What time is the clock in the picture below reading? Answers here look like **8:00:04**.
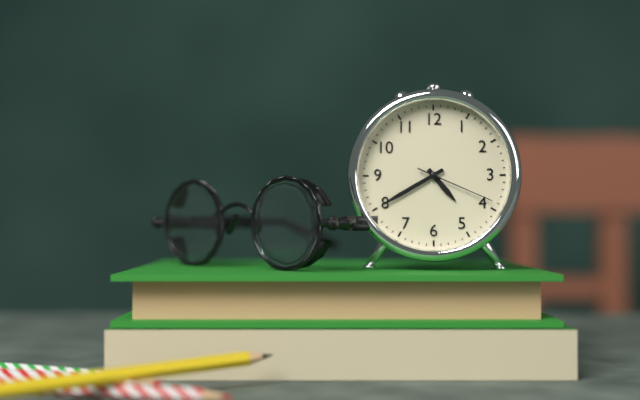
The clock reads **4:40:19**
